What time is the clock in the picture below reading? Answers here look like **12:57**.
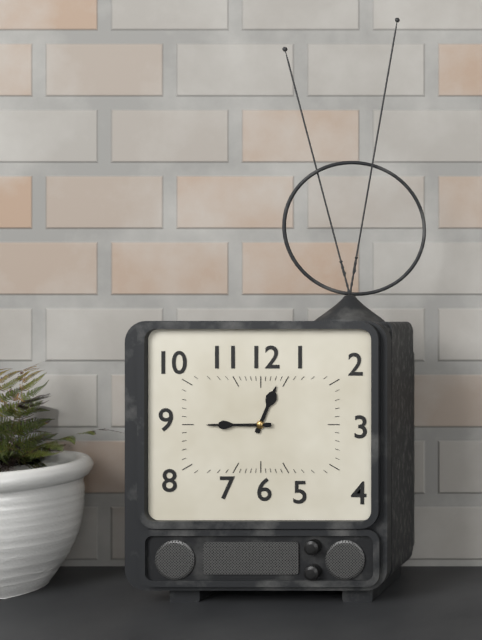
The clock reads **12:45**
